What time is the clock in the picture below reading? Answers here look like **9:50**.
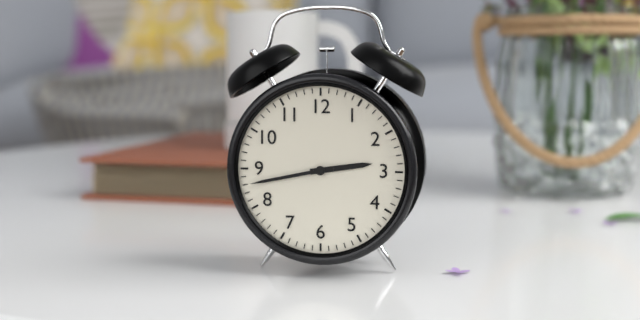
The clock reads **2:43**
